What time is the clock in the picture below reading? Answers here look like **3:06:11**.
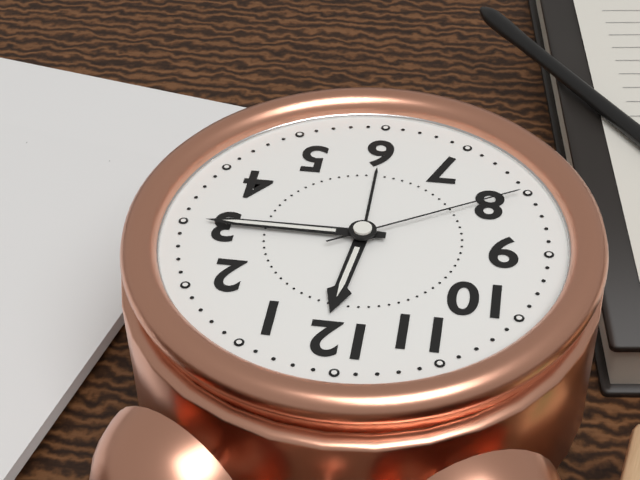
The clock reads **12:15:40**
